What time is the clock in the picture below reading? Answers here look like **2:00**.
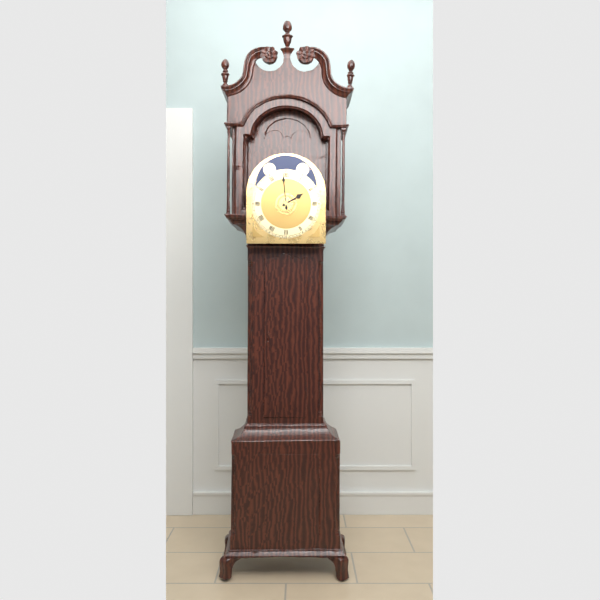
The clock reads **1:59**
